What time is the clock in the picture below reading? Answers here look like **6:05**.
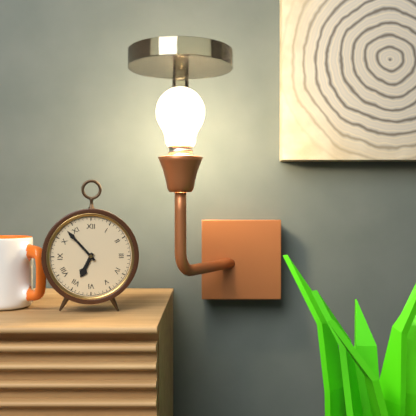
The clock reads **6:53**
